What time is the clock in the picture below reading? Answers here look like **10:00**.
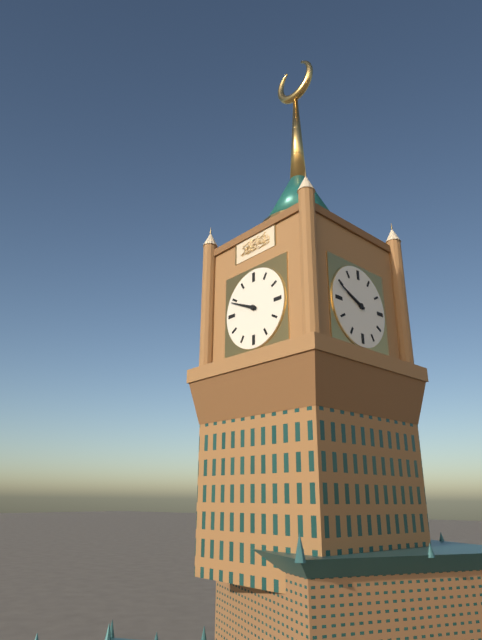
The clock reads **9:49**
